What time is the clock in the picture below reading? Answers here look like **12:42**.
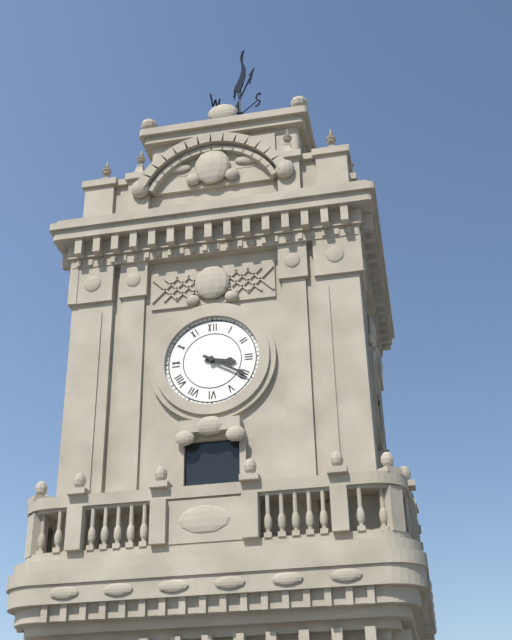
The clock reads **3:20**
